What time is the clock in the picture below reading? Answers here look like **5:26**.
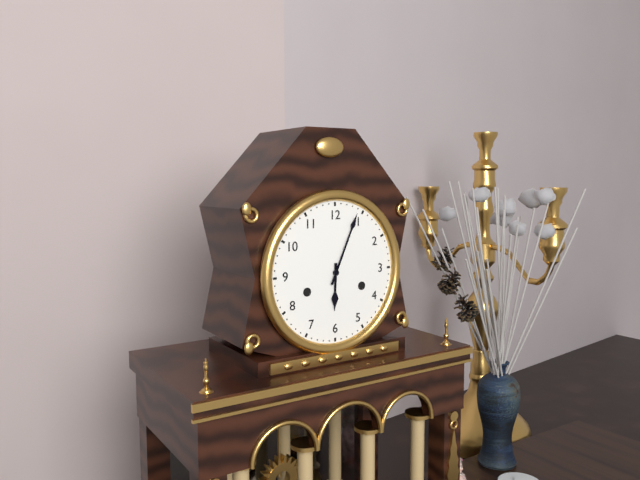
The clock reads **6:04**
